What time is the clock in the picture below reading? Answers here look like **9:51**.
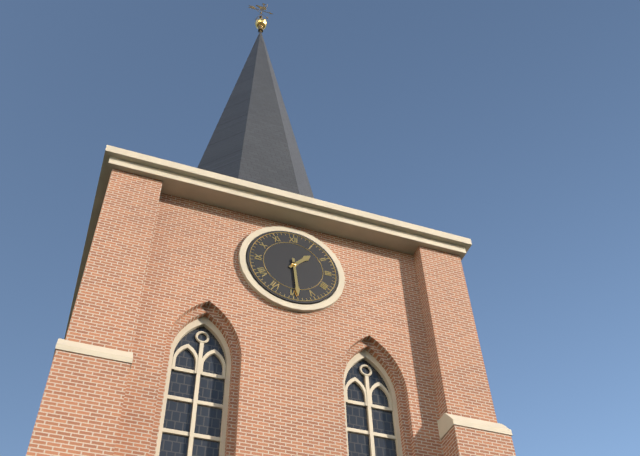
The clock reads **1:29**
